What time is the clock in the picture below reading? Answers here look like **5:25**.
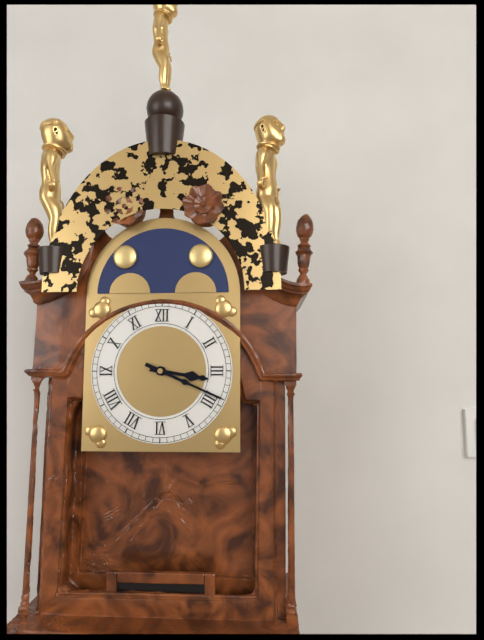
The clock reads **3:19**
